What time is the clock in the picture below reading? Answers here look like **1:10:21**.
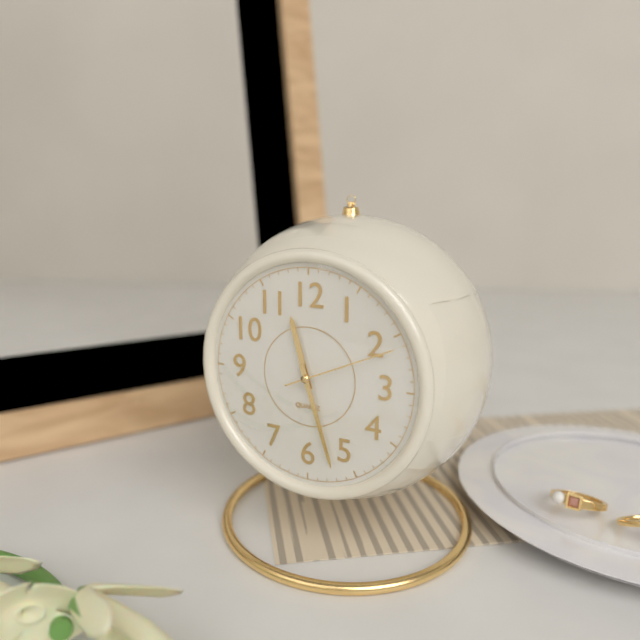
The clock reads **11:27:11**
